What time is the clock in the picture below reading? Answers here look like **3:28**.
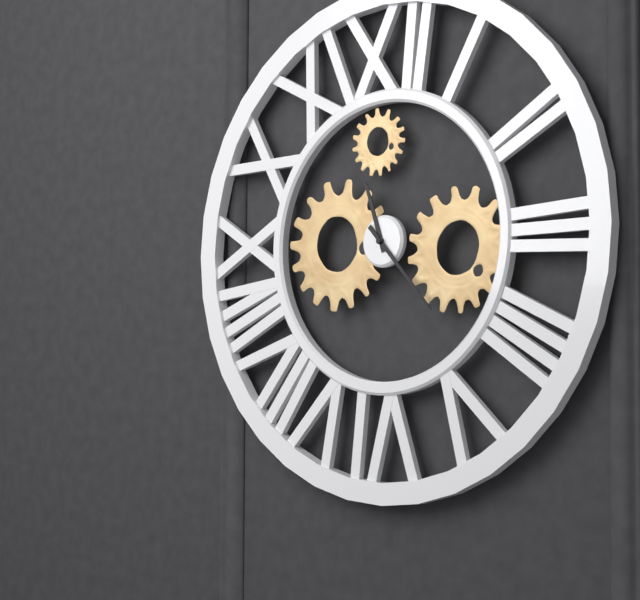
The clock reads **11:23**
